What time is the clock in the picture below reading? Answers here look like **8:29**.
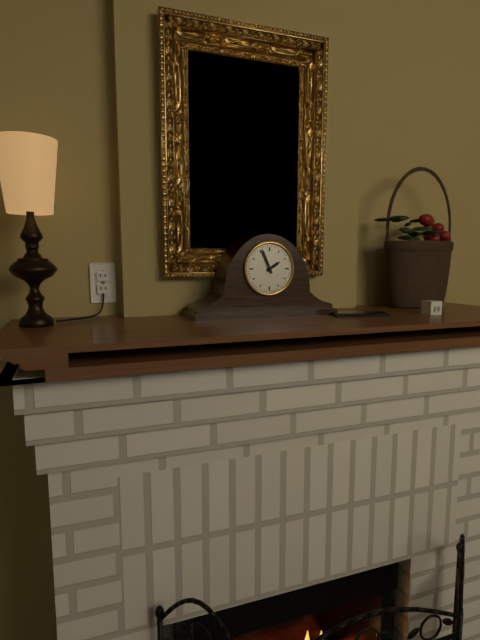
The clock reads **1:56**
